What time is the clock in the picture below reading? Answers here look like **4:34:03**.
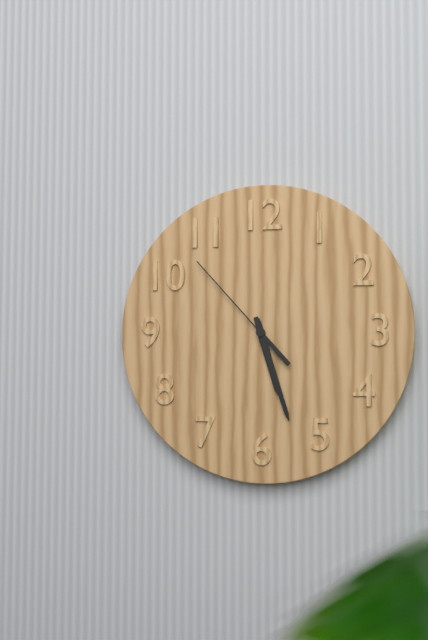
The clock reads **5:27:53**
